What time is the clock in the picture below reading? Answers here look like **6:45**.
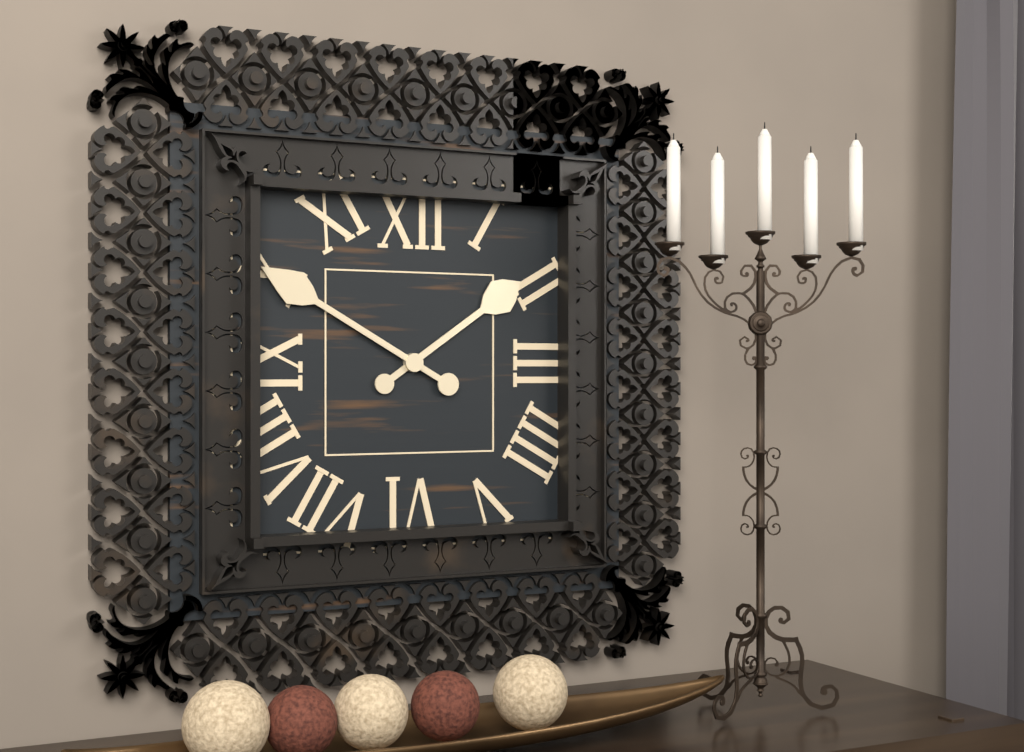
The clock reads **1:50**
